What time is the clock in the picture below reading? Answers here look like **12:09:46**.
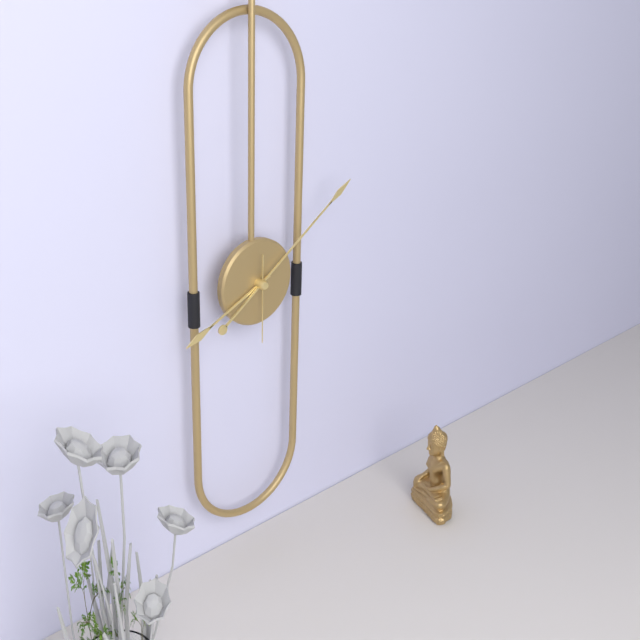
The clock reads **8:09:30**
